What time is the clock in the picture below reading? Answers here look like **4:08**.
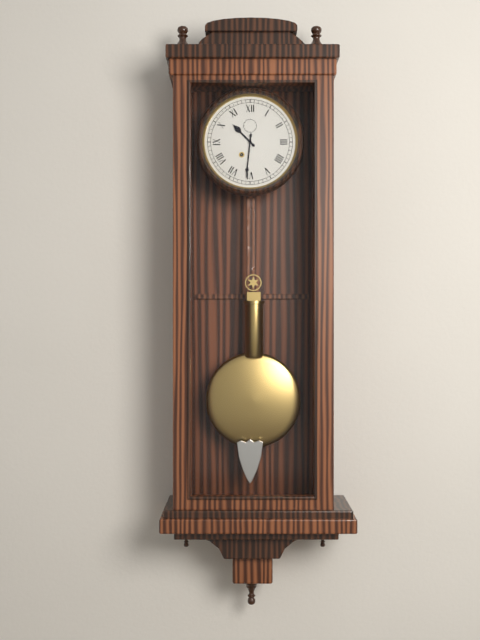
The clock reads **10:31**
